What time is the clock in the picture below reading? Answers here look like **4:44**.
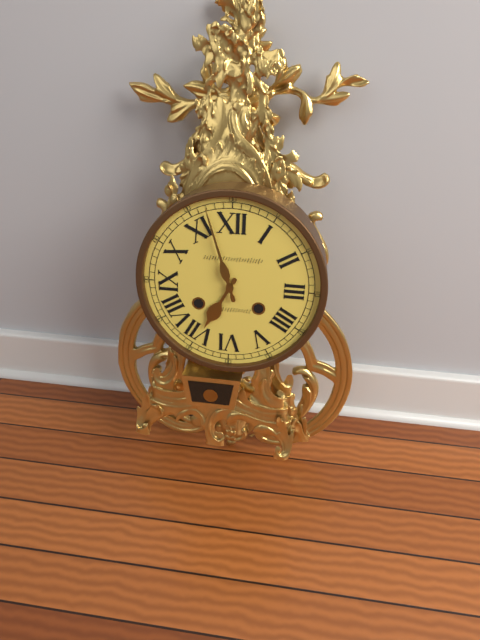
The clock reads **6:57**
